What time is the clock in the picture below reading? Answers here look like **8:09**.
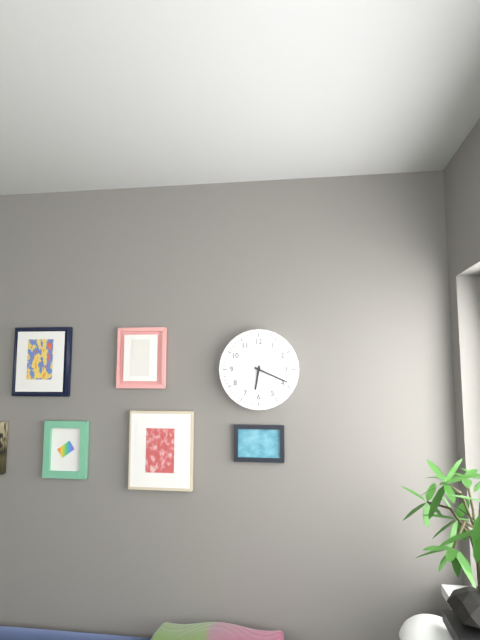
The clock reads **6:19**
